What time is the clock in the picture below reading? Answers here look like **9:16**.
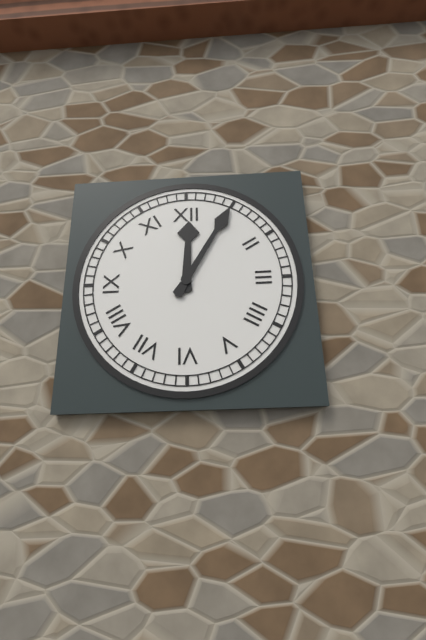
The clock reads **12:05**
